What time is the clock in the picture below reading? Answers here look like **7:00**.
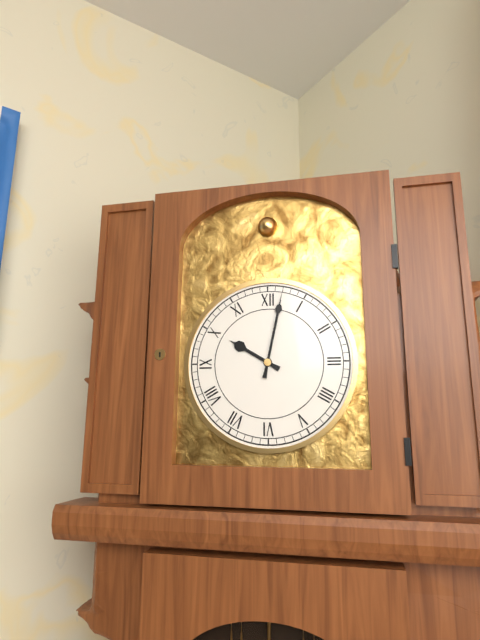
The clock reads **10:02**
